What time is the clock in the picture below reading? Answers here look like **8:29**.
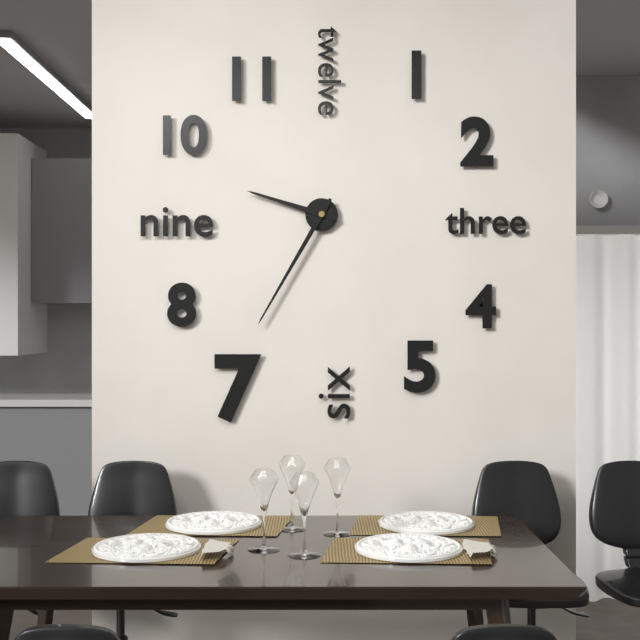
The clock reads **9:35**
